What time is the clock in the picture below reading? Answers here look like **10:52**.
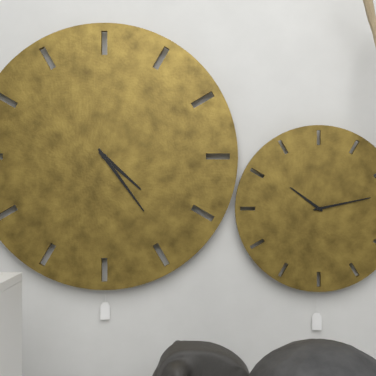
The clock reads **4:24**
